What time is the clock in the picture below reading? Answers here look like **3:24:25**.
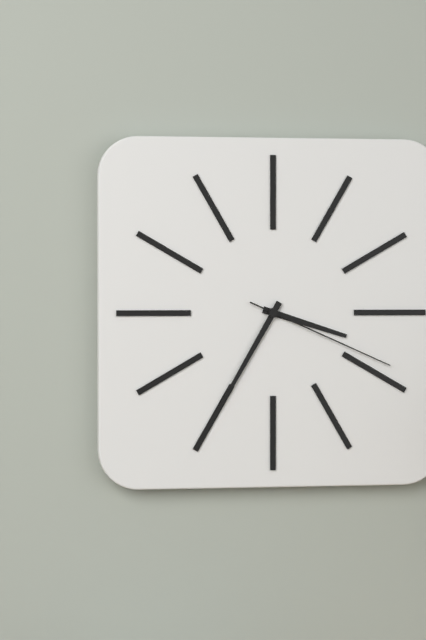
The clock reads **3:35:19**
